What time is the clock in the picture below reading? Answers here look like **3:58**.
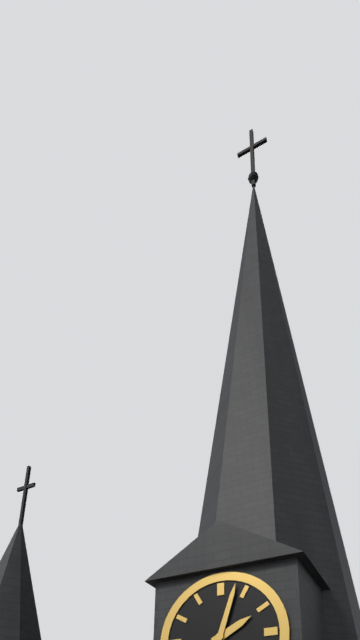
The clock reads **2:03**
